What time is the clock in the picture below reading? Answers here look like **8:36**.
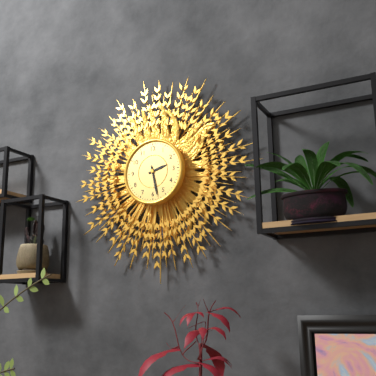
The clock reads **2:28**
